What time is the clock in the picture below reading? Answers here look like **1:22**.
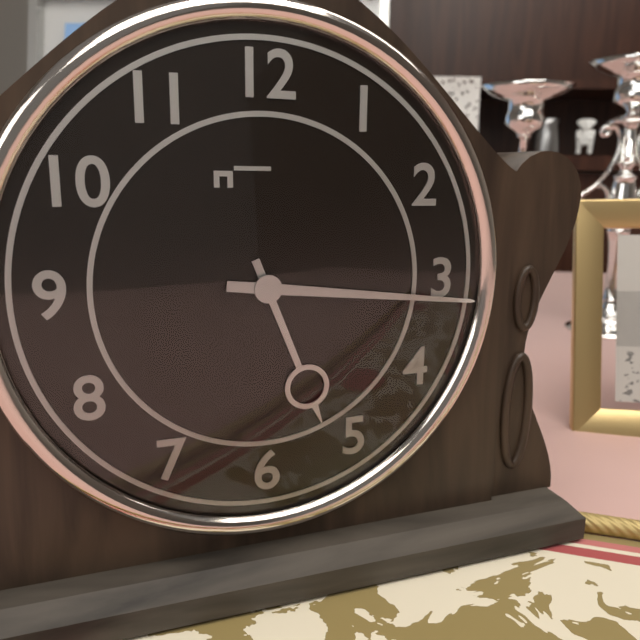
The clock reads **5:16**
